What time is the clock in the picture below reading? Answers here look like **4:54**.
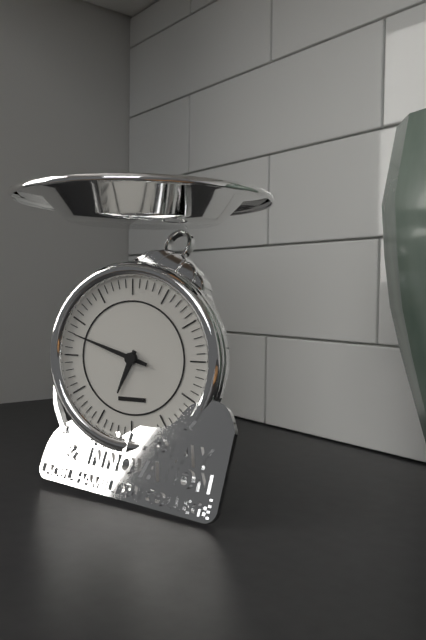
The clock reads **6:48**
